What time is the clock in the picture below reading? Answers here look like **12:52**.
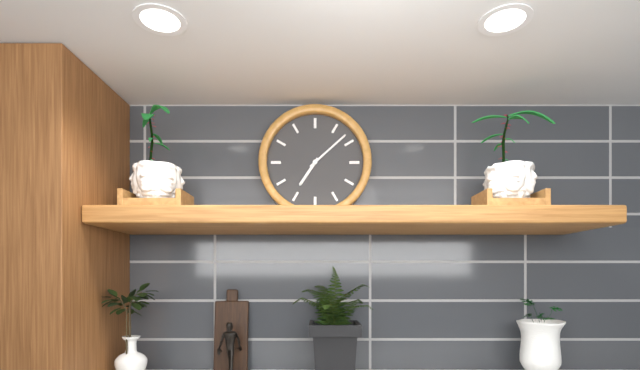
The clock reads **7:08**
